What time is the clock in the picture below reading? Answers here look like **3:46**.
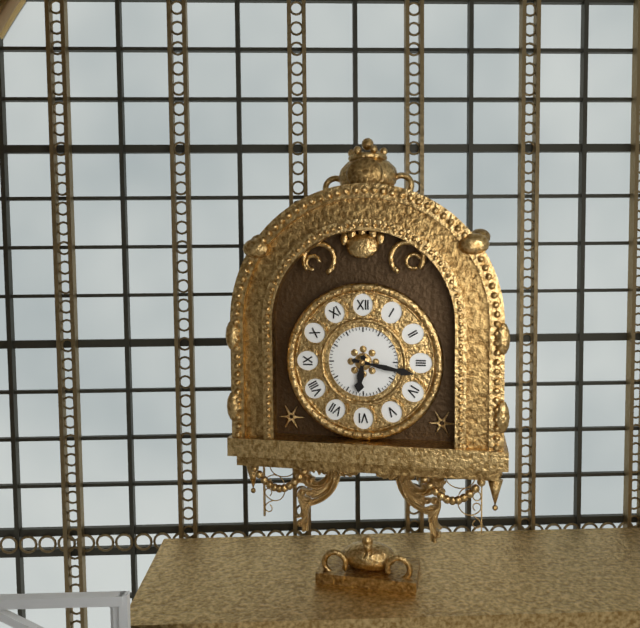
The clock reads **6:17**
